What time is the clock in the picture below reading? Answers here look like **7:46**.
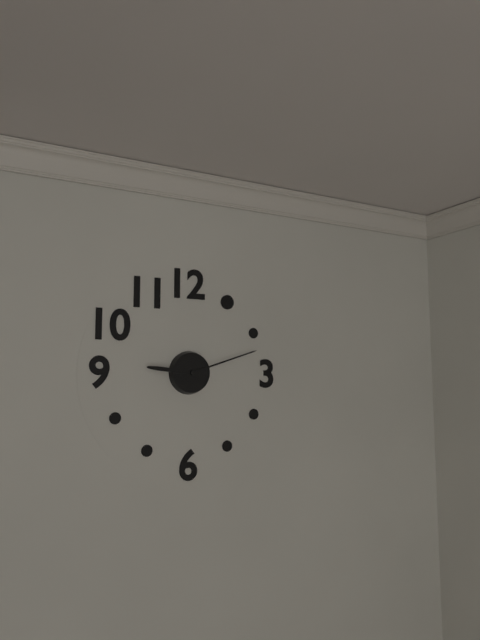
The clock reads **9:12**
